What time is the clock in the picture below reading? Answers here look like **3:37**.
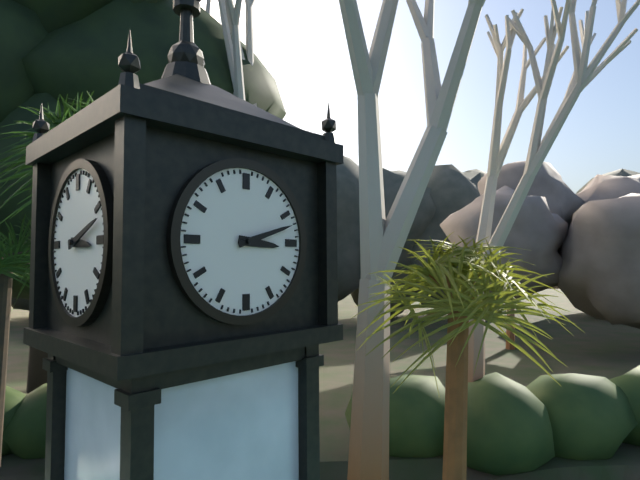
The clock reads **3:12**
